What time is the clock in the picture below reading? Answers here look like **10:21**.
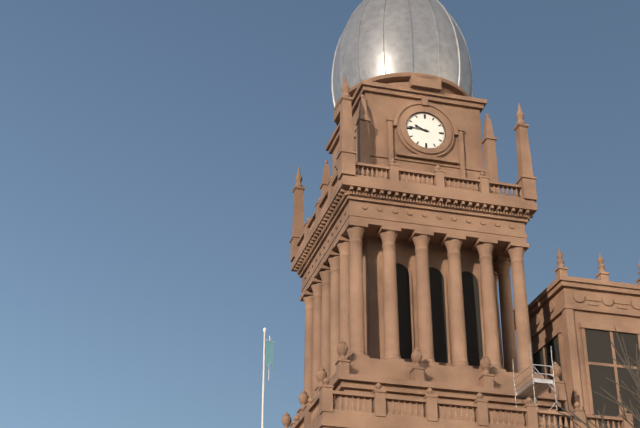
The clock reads **9:46**
